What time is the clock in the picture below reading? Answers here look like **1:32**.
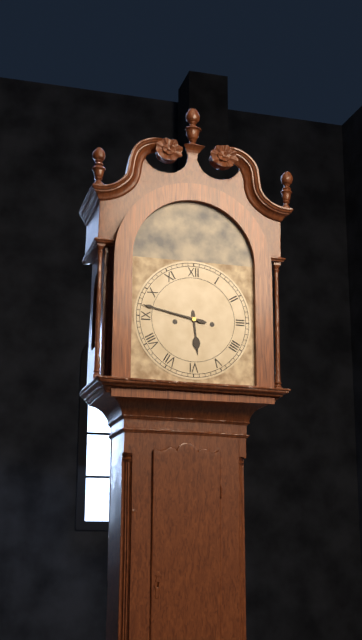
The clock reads **5:47**
